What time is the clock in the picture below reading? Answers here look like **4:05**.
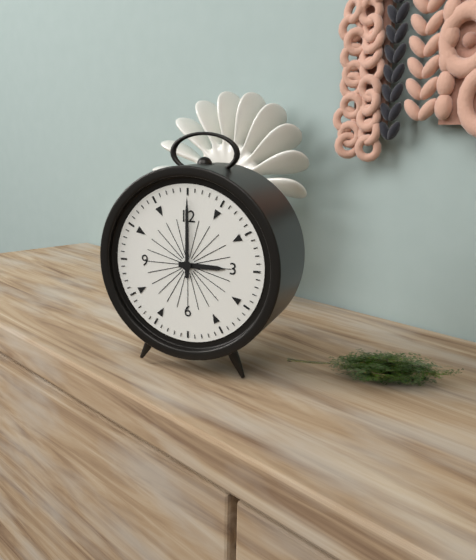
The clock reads **3:00**
